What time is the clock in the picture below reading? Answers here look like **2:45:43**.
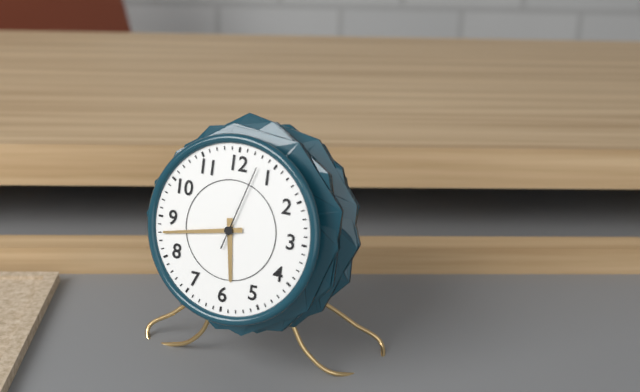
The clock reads **5:43:03**
